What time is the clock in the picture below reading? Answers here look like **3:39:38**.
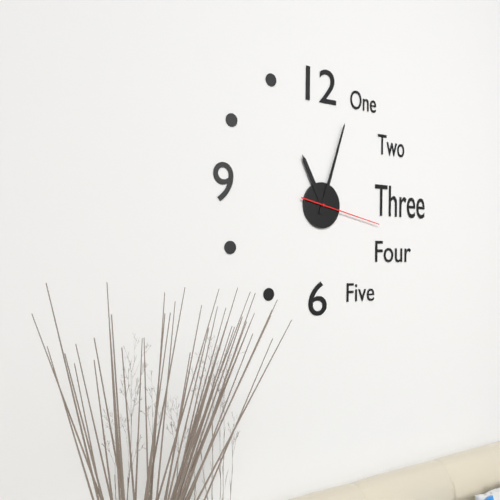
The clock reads **11:03:17**
